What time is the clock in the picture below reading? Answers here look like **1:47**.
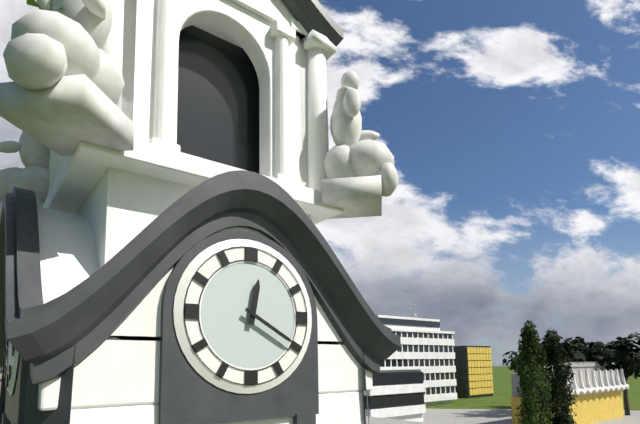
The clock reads **12:20**
